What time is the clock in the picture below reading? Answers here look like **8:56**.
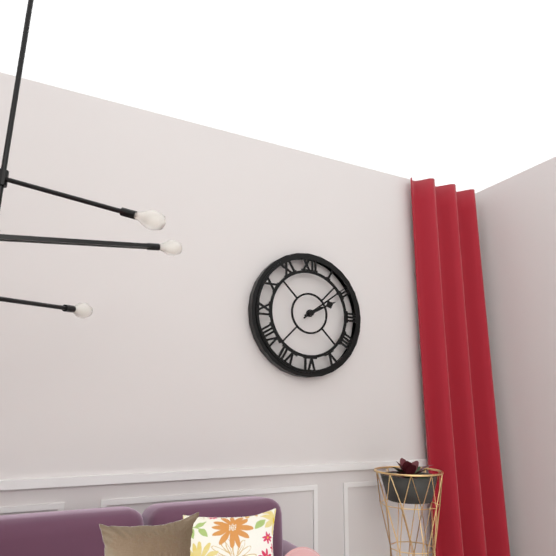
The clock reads **2:09**
